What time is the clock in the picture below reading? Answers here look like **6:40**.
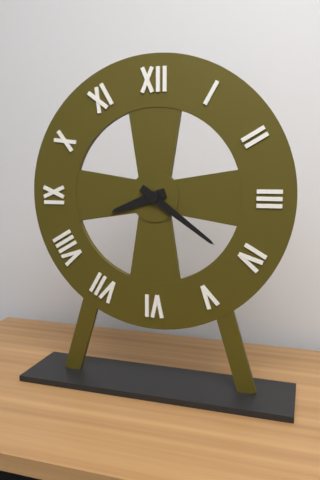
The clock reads **8:21**
